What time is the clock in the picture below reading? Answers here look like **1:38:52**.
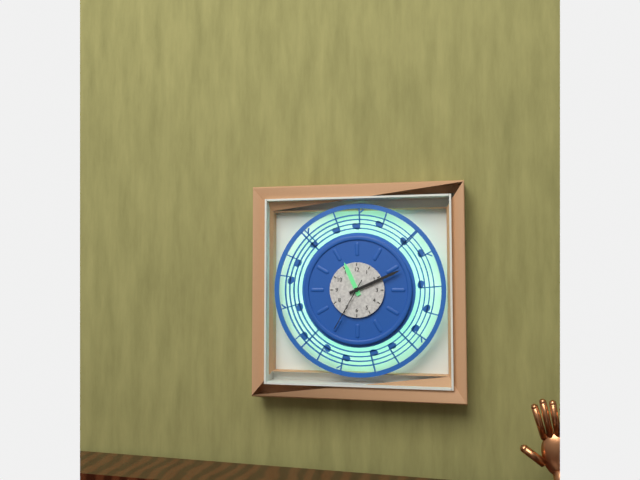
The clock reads **11:11:35**
